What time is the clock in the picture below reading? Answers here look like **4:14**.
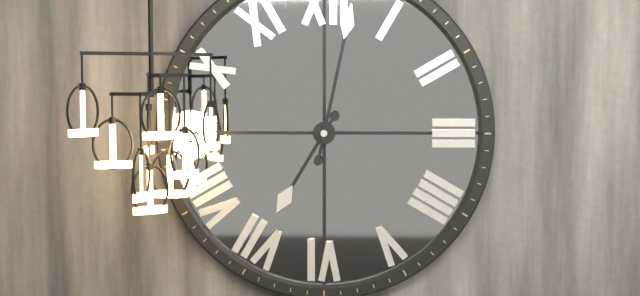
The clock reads **7:02**
